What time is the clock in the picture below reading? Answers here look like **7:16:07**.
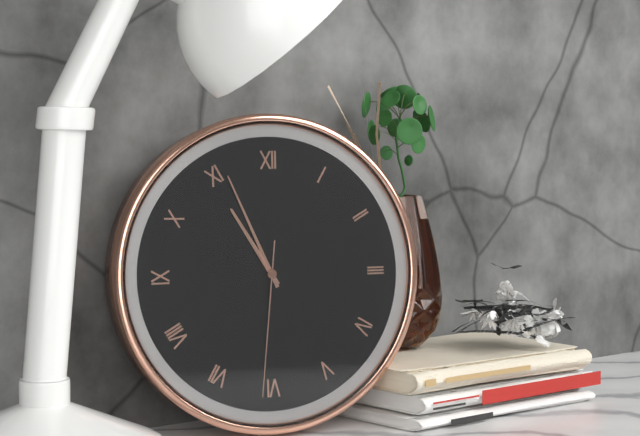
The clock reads **10:56:31**
